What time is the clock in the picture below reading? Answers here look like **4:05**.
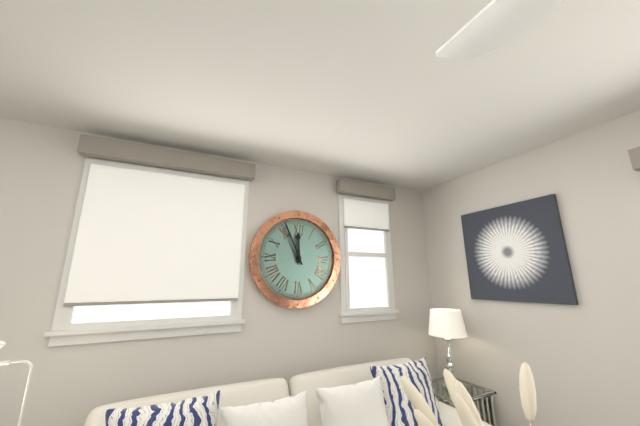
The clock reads **11:56**
